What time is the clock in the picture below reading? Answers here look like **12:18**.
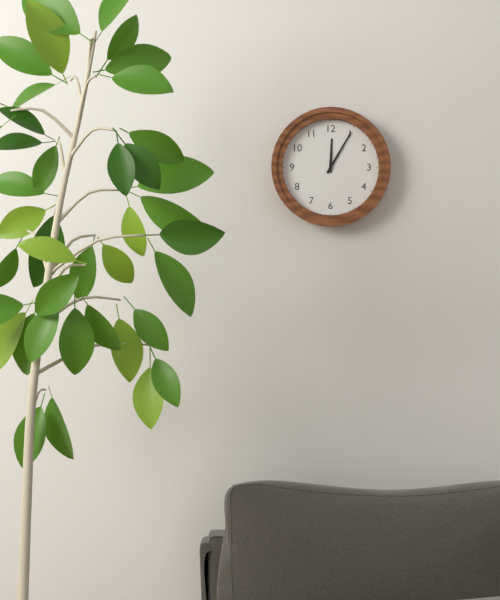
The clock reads **12:05**
